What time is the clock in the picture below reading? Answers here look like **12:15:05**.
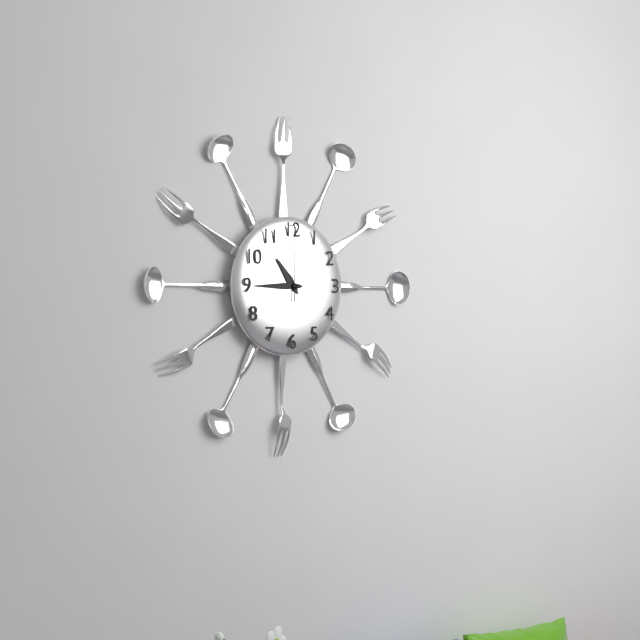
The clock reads **10:45:00**
